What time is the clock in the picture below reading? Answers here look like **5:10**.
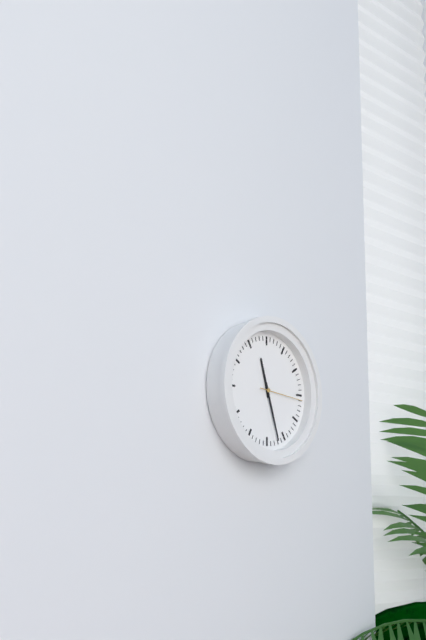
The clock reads **11:27**
